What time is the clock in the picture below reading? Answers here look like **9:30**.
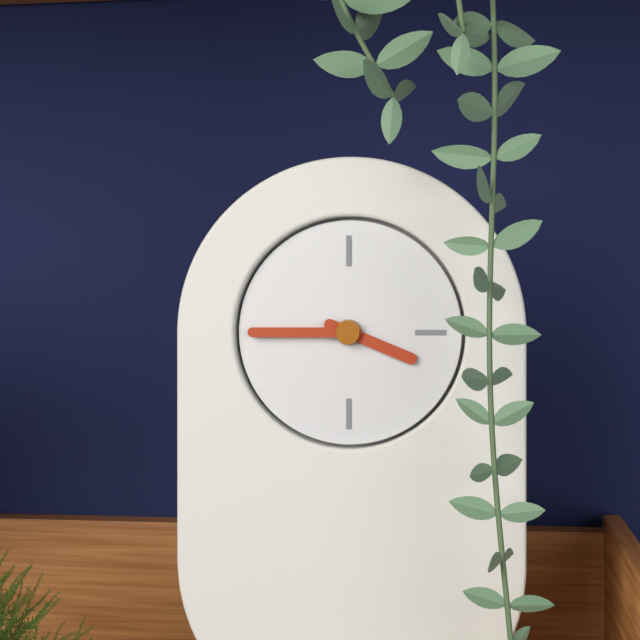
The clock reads **3:45**
